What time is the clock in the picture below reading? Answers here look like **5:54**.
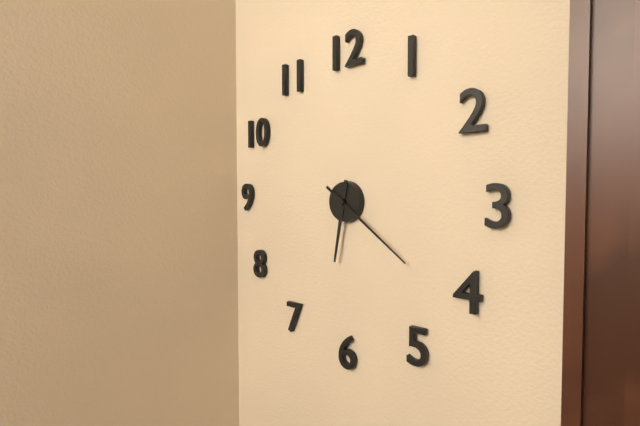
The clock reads **6:21**
